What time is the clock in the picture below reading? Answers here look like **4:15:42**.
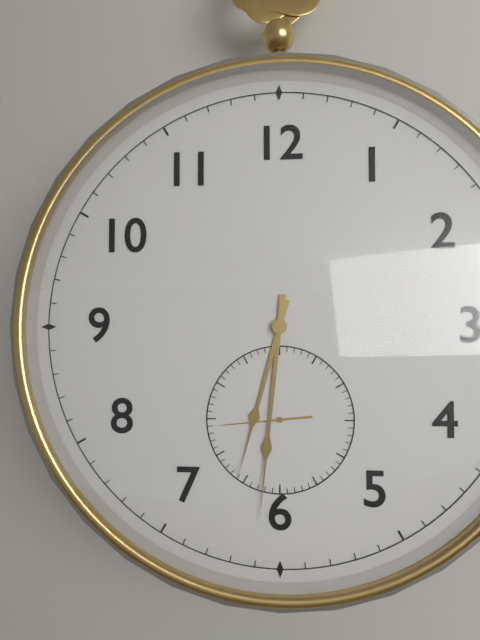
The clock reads **6:31:44**
